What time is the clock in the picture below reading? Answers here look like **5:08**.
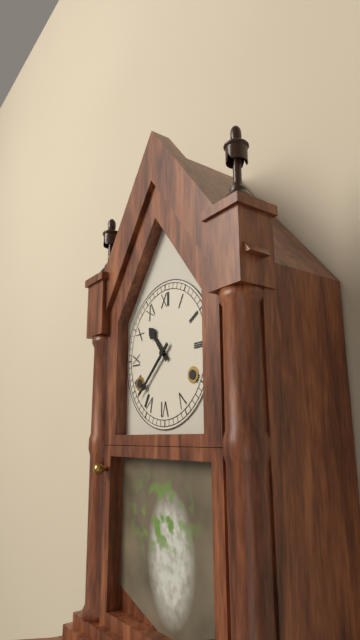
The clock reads **10:38**
